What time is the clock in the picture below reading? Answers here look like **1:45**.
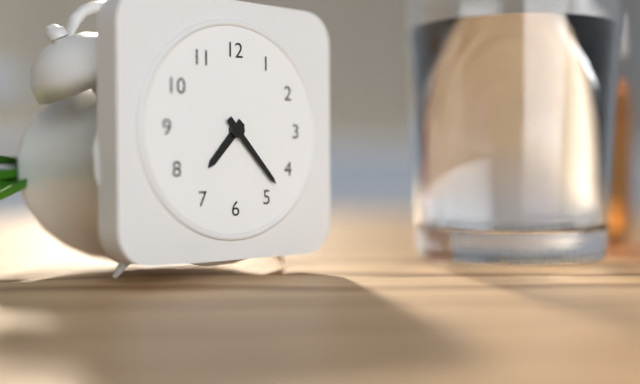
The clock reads **7:23**
